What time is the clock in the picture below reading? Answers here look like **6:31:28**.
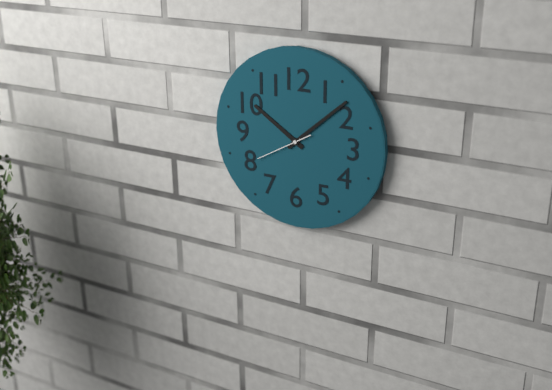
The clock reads **10:08:40**
